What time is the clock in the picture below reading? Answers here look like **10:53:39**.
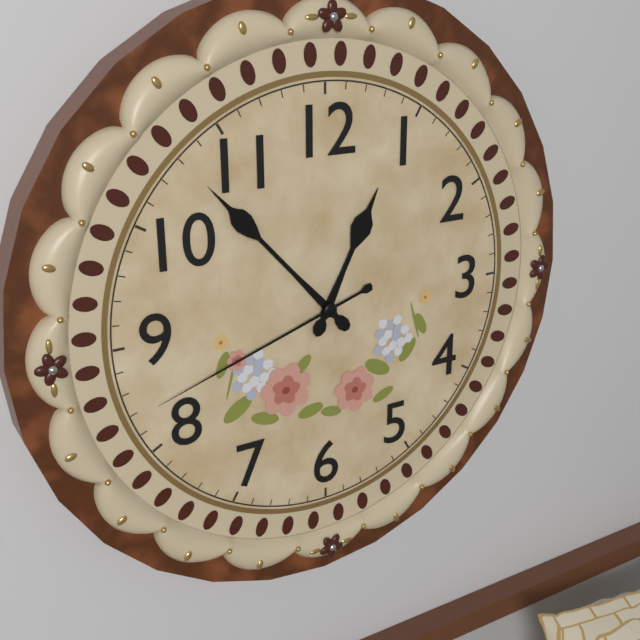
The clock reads **12:53:42**
